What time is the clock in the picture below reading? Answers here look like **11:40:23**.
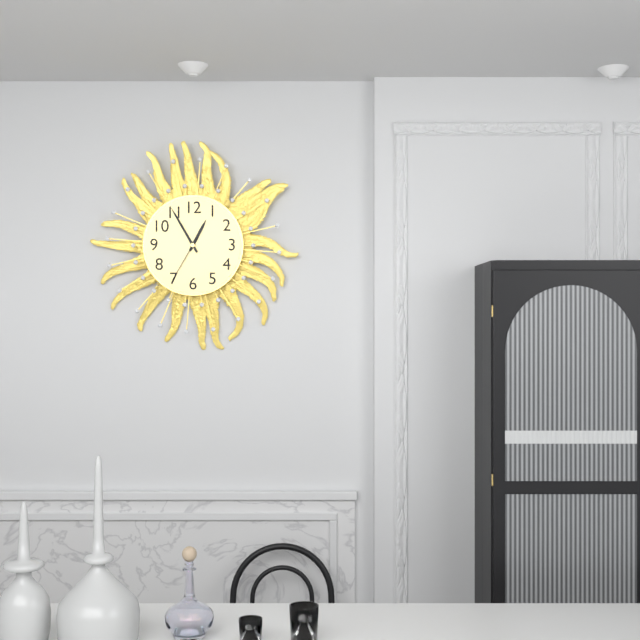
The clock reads **12:55:35**
